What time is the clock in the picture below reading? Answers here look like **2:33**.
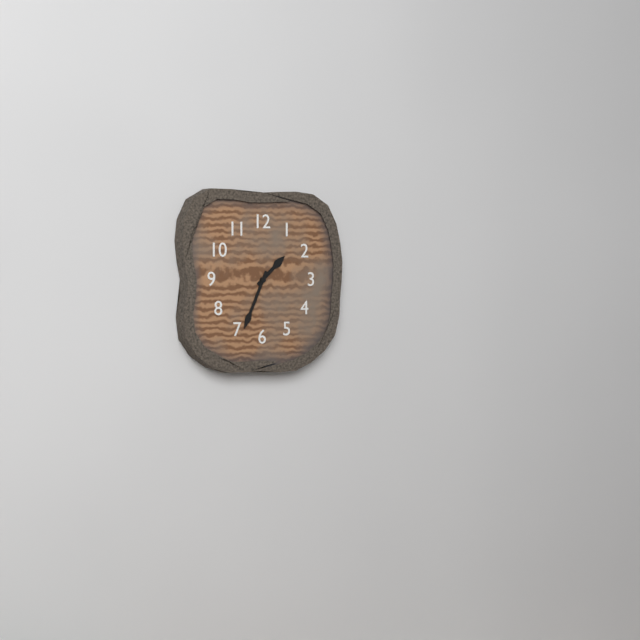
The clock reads **1:34**
